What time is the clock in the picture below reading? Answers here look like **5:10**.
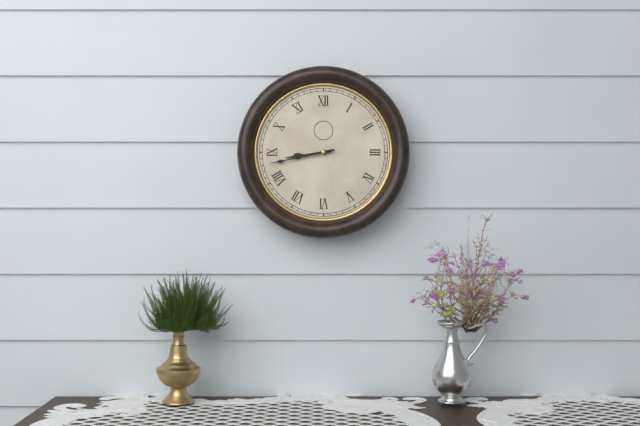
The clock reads **8:43**
